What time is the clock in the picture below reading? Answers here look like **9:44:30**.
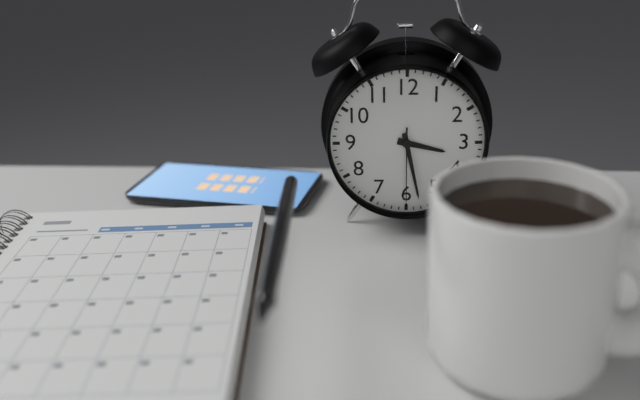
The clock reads **3:28:30**
